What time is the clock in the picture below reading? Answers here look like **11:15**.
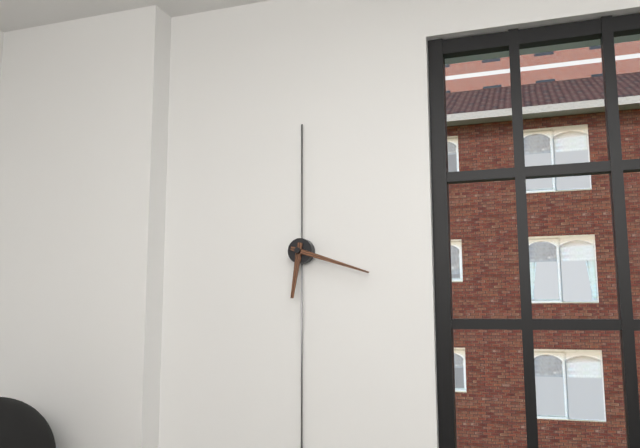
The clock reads **6:18**
